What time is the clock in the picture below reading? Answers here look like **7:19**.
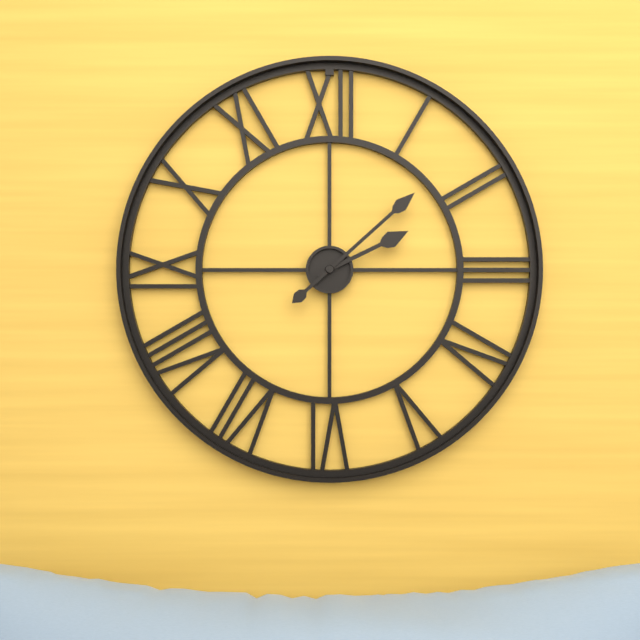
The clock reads **2:08**
